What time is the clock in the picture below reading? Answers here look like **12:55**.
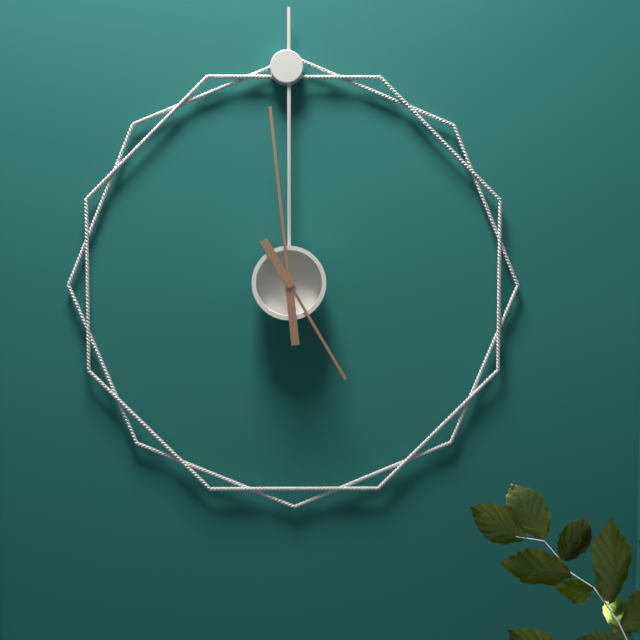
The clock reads **4:59**
